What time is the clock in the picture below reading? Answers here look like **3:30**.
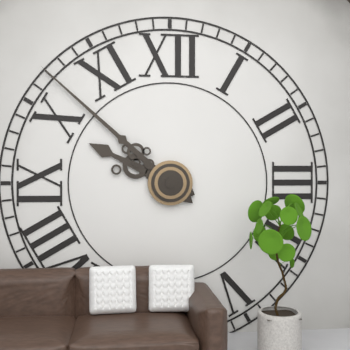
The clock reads **9:52**
